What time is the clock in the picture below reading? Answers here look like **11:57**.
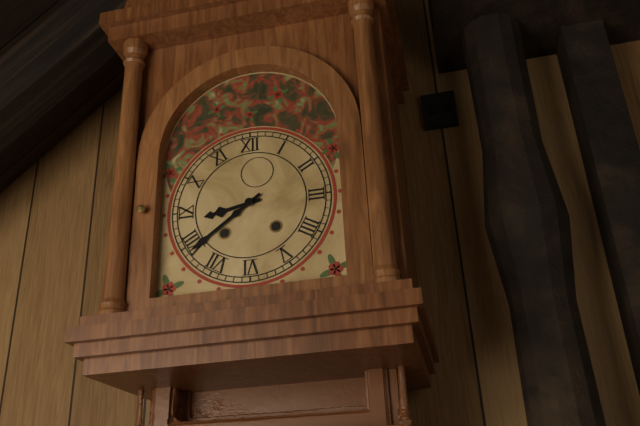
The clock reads **8:39**
